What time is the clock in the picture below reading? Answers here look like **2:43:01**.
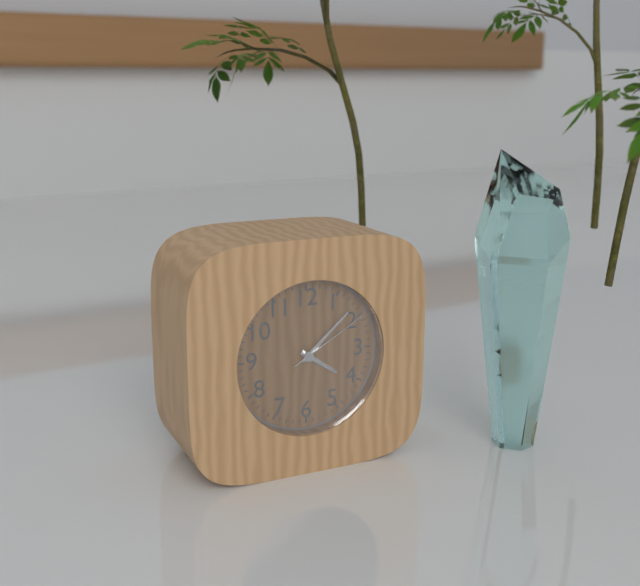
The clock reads **4:08:10**
